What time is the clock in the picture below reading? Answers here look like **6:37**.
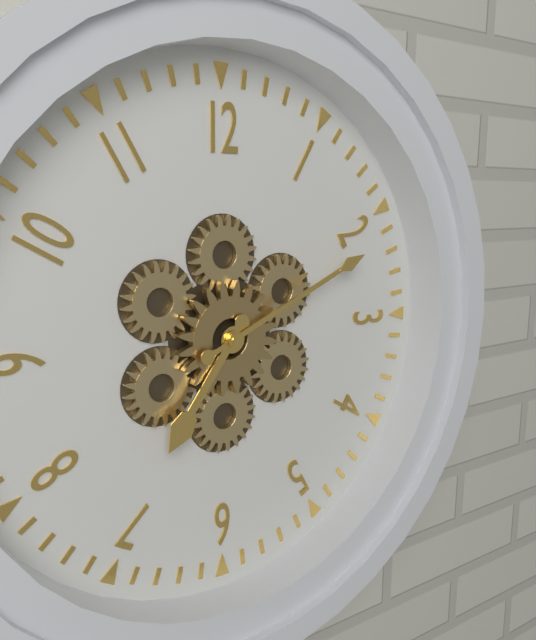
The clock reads **7:11**
